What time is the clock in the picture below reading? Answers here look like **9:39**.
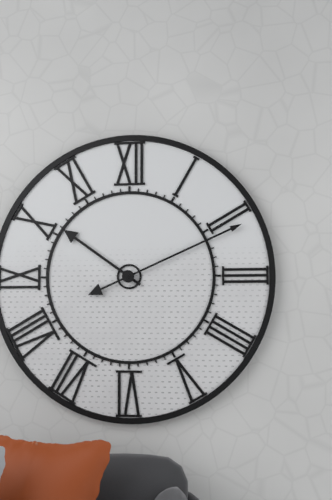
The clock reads **10:11**
